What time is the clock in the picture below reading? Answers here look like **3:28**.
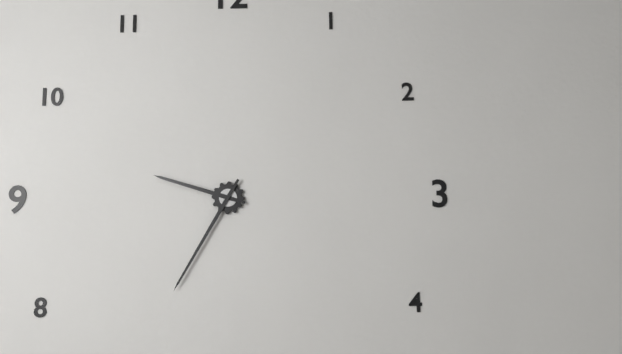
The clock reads **9:35**
